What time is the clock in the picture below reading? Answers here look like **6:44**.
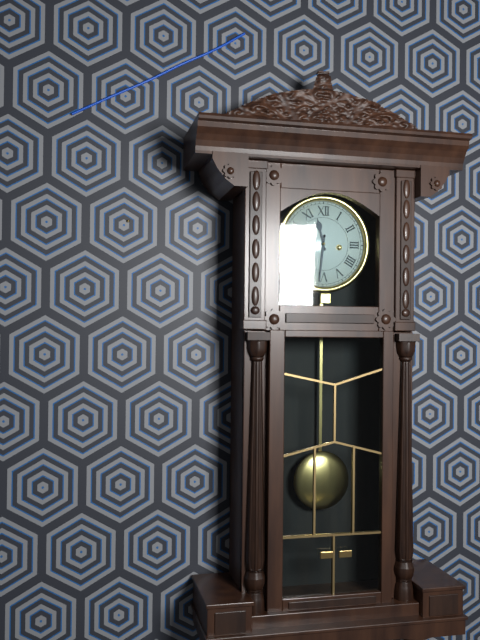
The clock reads **11:31**
